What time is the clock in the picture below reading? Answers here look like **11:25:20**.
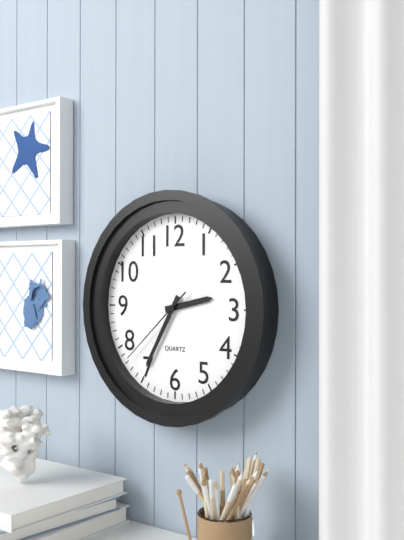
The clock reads **2:35:38**
